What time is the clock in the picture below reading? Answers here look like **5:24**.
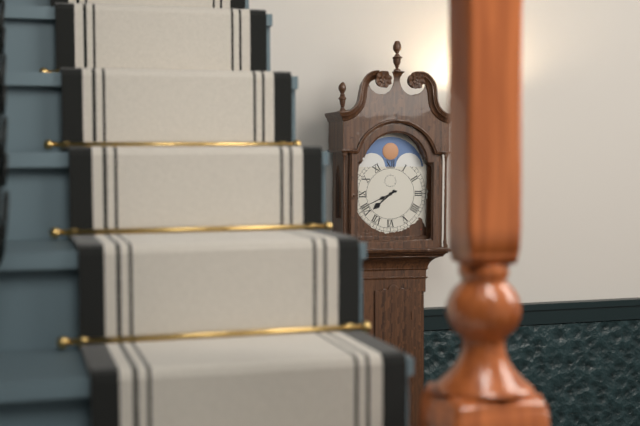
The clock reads **7:41**
